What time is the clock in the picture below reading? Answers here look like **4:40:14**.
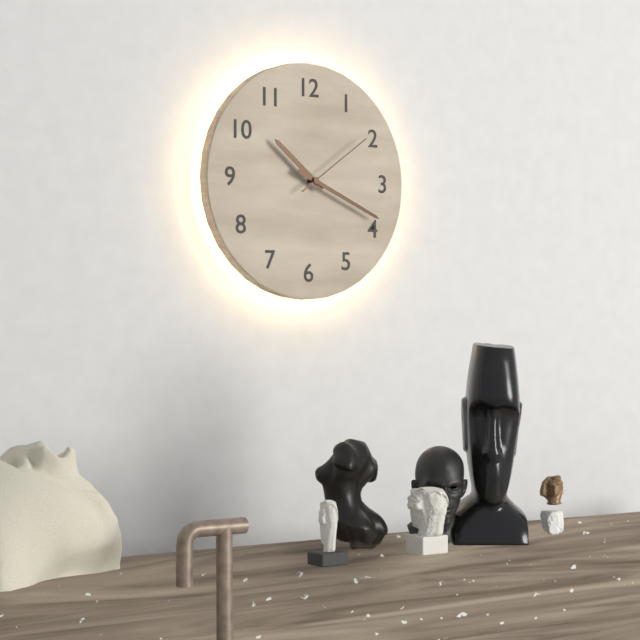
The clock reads **10:19:09**
